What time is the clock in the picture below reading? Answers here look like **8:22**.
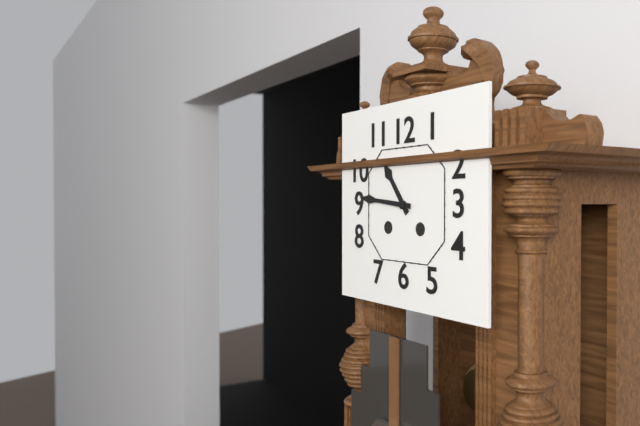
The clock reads **10:46**
